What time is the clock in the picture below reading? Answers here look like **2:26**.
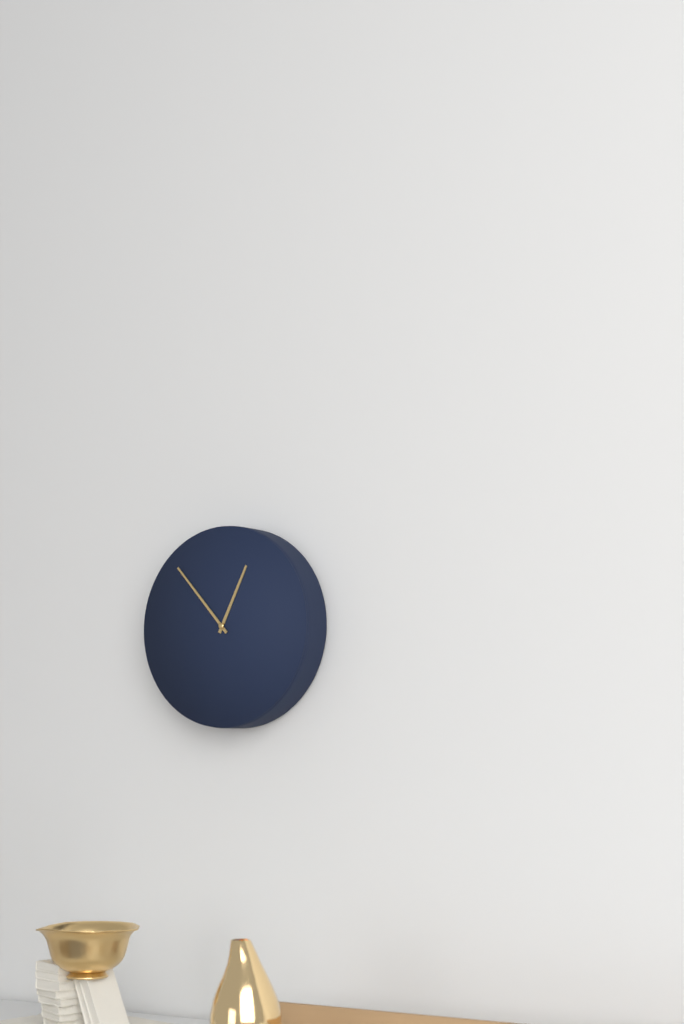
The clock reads **12:53**
